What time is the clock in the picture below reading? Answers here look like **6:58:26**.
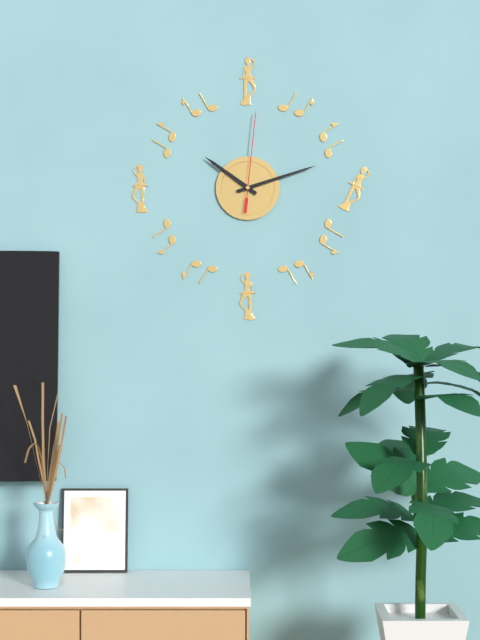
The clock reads **10:12:01**
